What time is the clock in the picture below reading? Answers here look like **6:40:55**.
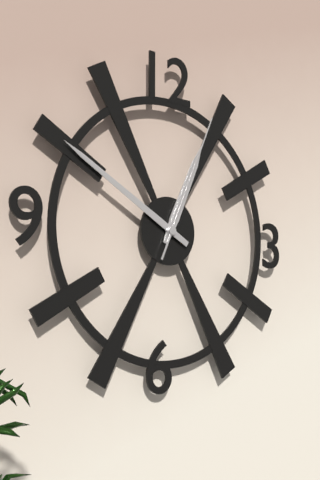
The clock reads **12:50:04**
